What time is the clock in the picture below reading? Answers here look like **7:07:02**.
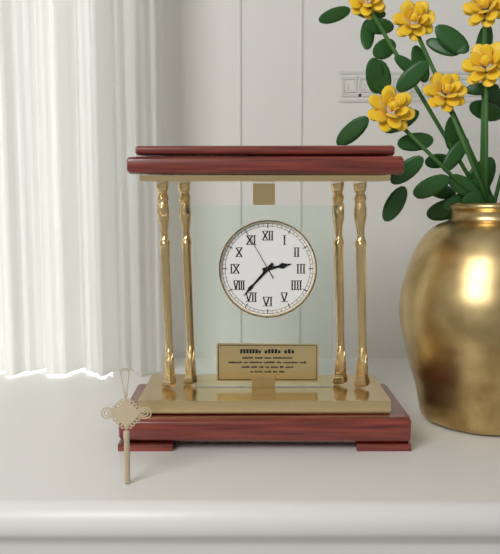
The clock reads **2:37:55**
